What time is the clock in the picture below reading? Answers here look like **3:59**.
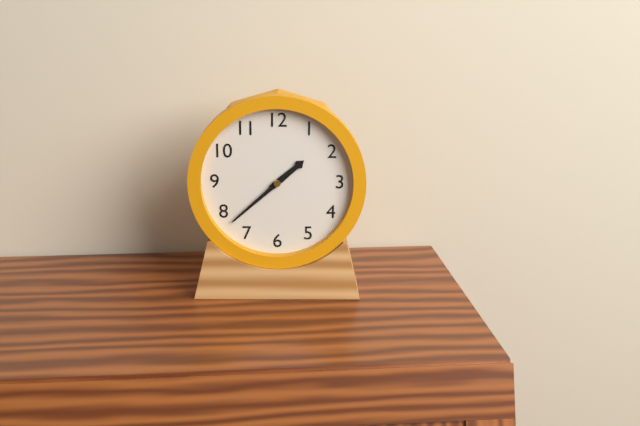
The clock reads **1:38**
